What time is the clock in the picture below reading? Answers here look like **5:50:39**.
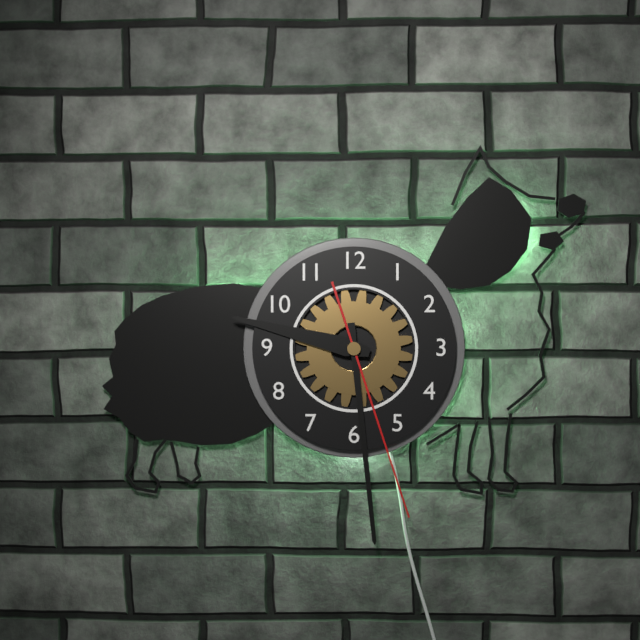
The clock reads **9:29:27**
